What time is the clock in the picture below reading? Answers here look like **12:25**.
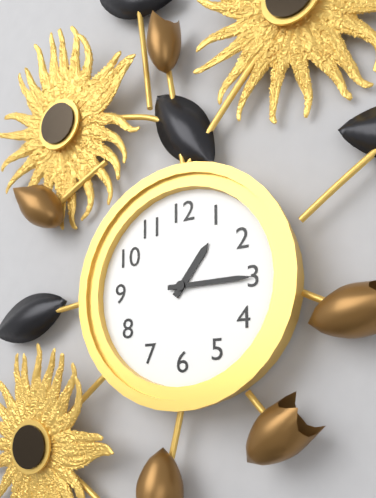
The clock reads **1:15**
